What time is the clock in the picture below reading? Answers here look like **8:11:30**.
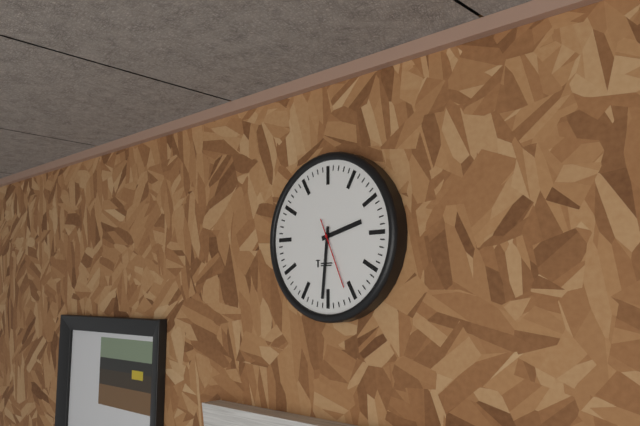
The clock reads **2:31:26**
